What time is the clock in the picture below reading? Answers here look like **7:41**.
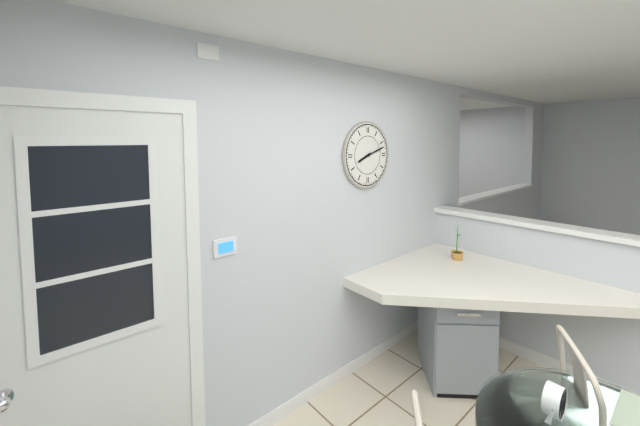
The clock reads **8:12**
